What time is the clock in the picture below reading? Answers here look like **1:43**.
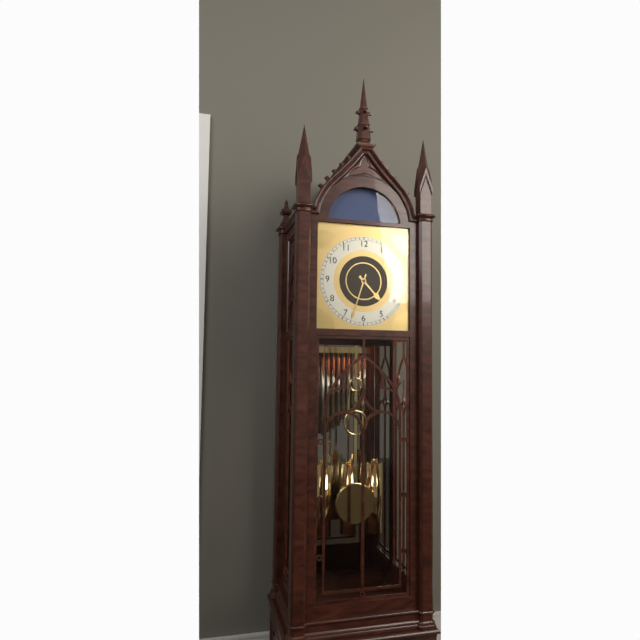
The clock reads **4:33**
